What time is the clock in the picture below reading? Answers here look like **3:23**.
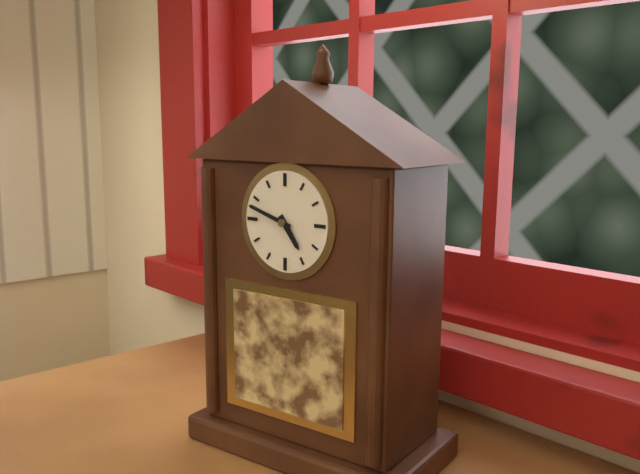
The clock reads **4:48**
